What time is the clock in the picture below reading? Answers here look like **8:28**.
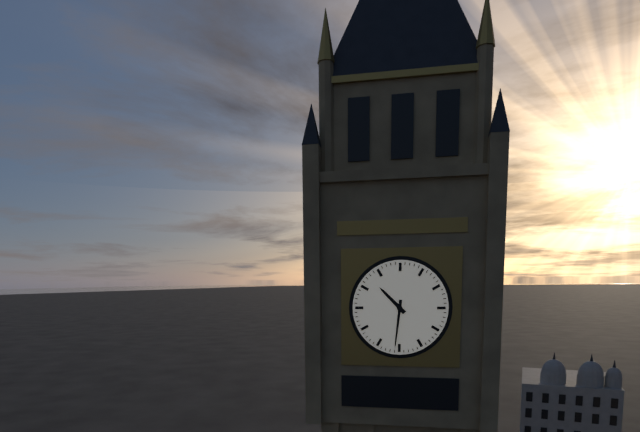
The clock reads **10:31**
